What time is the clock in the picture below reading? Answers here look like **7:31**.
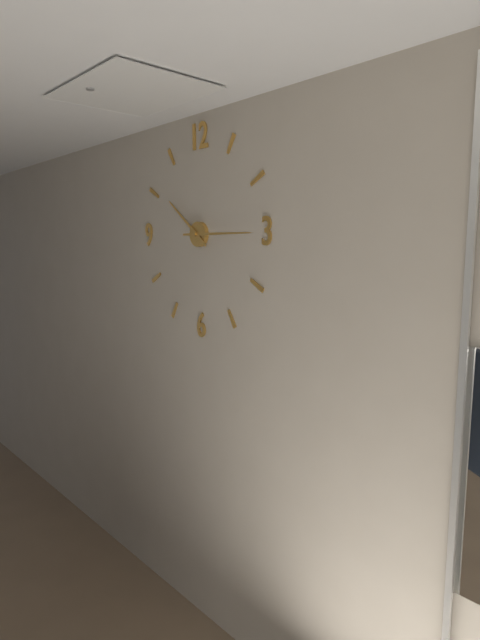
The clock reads **10:15**
